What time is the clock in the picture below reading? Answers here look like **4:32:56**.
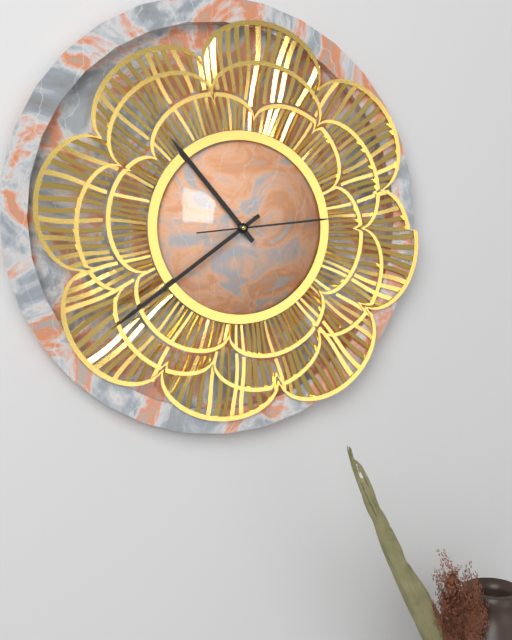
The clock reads **10:39:14**
